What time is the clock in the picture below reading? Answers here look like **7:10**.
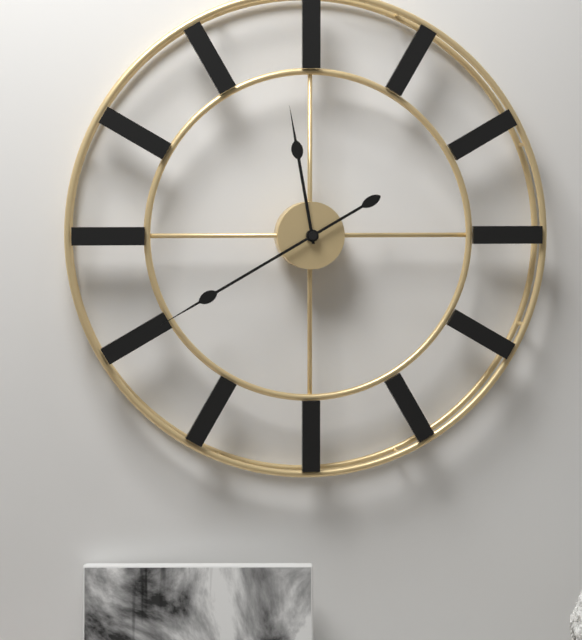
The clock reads **11:40**
